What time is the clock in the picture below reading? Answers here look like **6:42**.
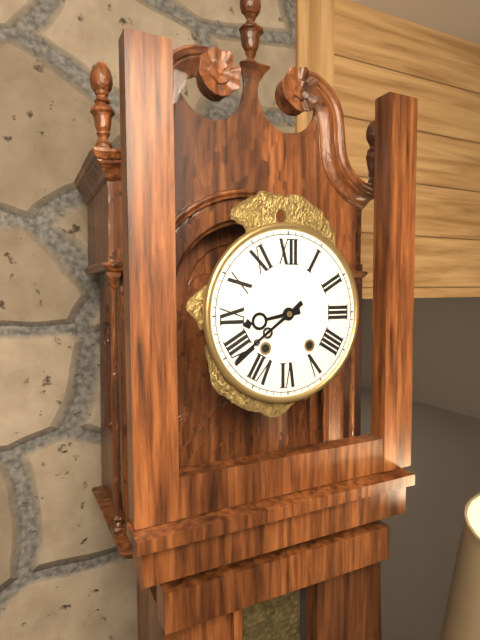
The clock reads **8:39**
